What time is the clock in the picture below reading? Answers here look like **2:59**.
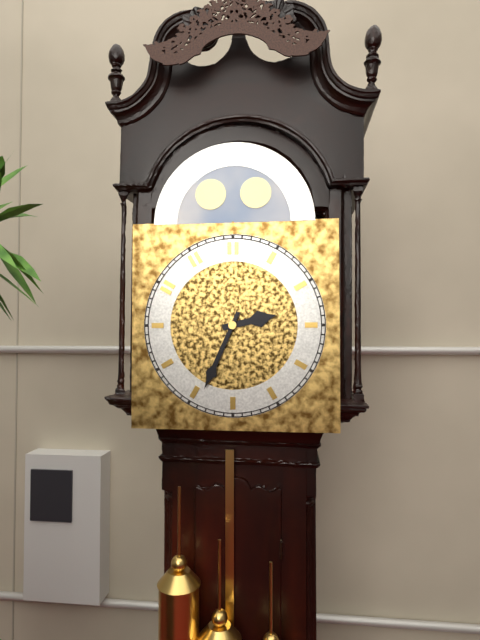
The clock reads **2:34**
